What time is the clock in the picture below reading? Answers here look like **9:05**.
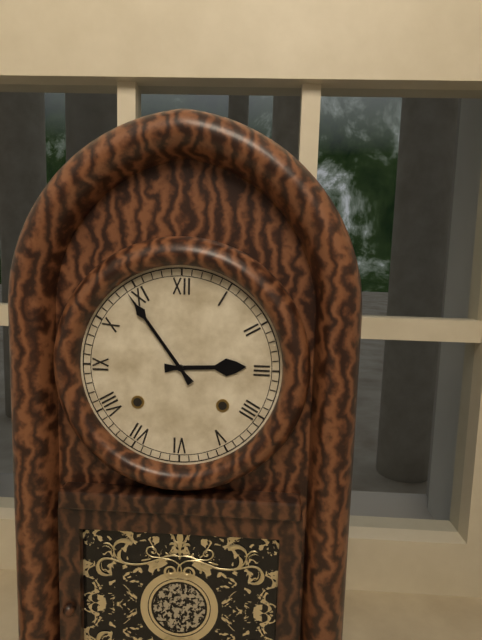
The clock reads **2:54**
